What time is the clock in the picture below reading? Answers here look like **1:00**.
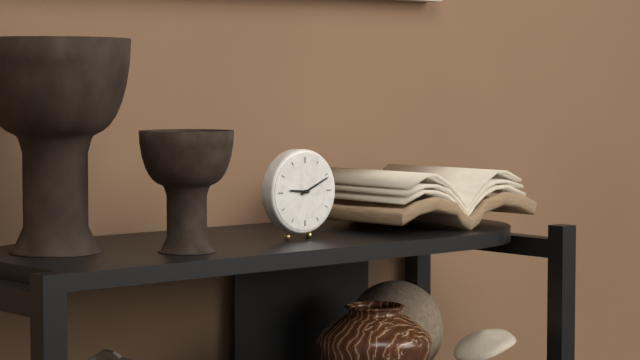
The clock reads **9:11**
